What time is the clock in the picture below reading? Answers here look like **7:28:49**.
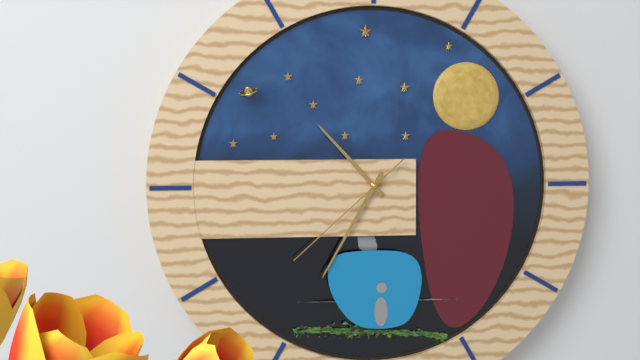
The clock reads **10:35:38**
